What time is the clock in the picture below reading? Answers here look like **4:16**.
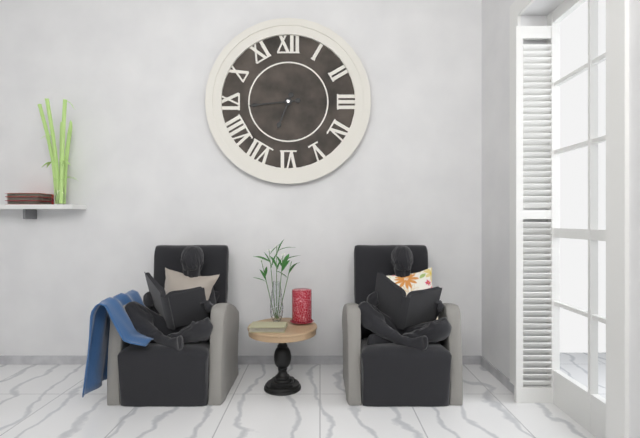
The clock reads **6:44**
